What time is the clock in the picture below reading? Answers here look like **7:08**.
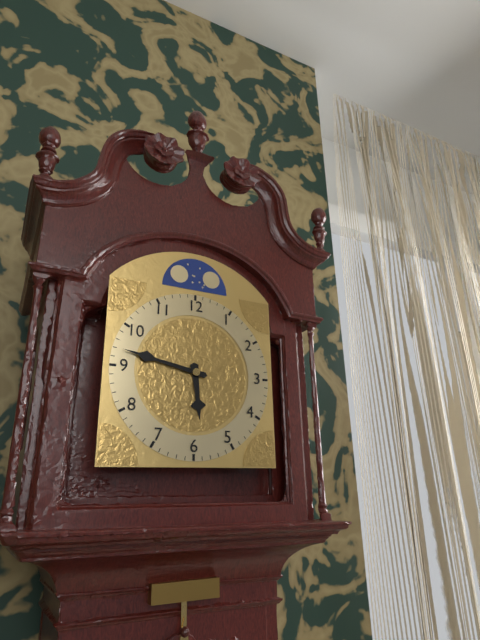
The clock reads **5:47**
